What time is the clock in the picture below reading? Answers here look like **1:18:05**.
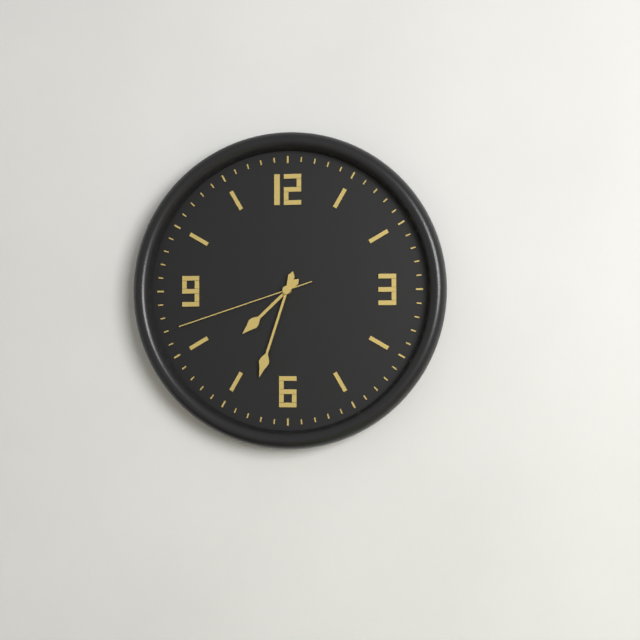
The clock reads **7:33:42**
